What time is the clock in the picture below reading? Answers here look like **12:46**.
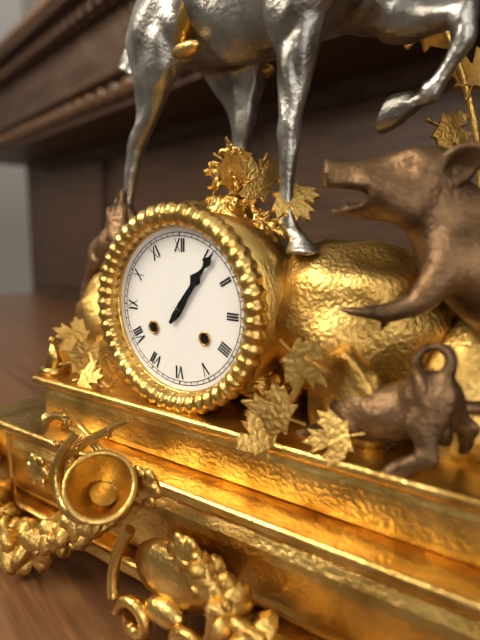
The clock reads **1:06**
